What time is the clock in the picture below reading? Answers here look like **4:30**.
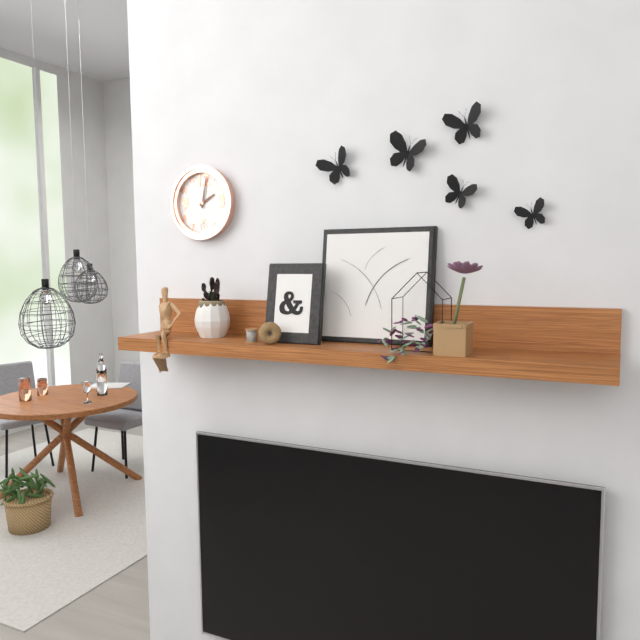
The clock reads **2:02**
